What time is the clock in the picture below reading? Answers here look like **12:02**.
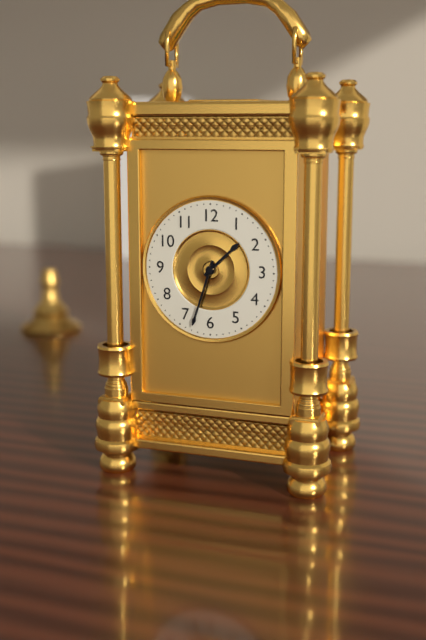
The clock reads **1:33**
